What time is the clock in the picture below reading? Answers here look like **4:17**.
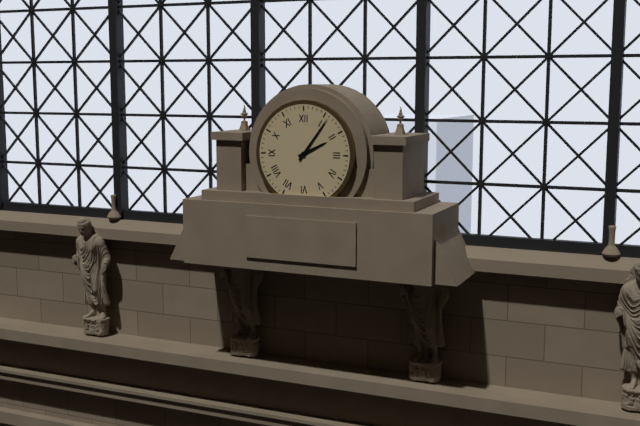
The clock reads **2:06**
